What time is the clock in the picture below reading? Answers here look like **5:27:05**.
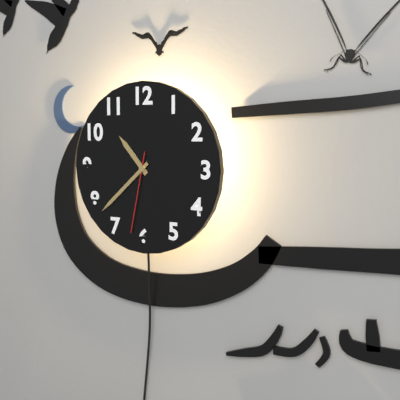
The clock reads **10:38:32**
